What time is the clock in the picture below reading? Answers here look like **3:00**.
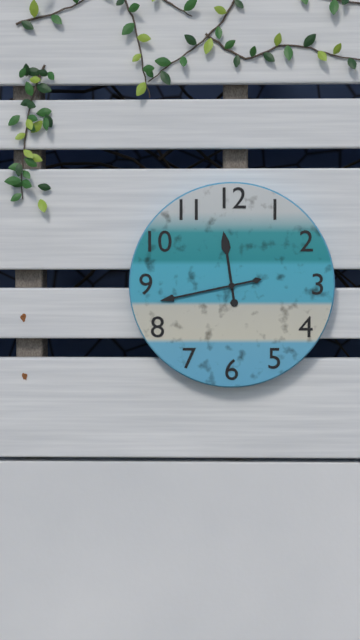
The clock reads **11:43**
